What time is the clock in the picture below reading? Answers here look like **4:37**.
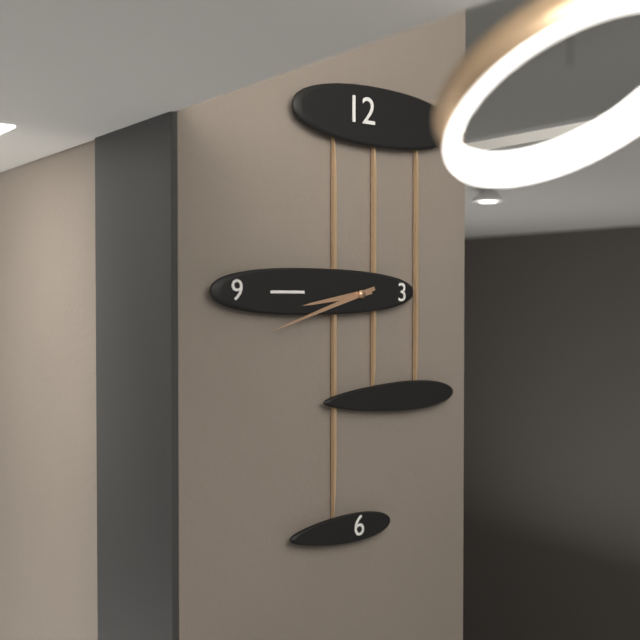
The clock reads **8:42**
